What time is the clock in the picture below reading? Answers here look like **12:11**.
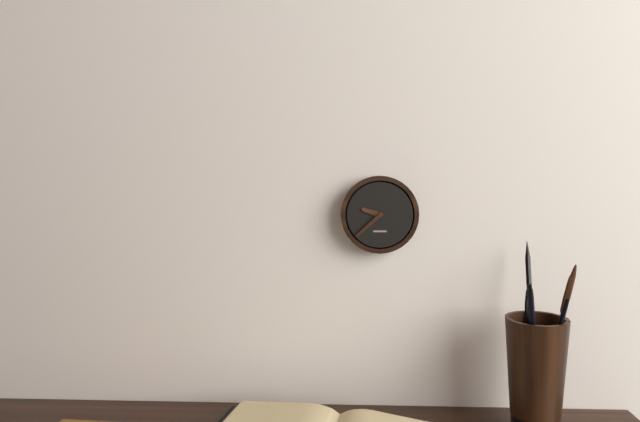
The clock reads **9:38**
